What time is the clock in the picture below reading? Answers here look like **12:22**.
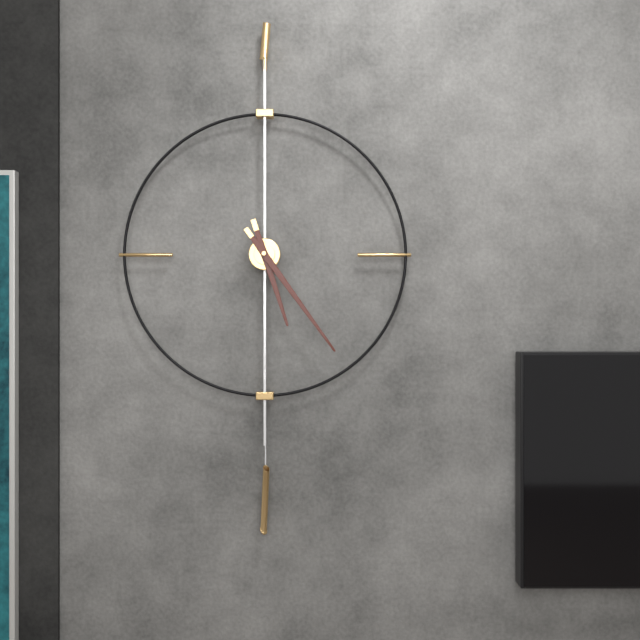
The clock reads **5:24**
